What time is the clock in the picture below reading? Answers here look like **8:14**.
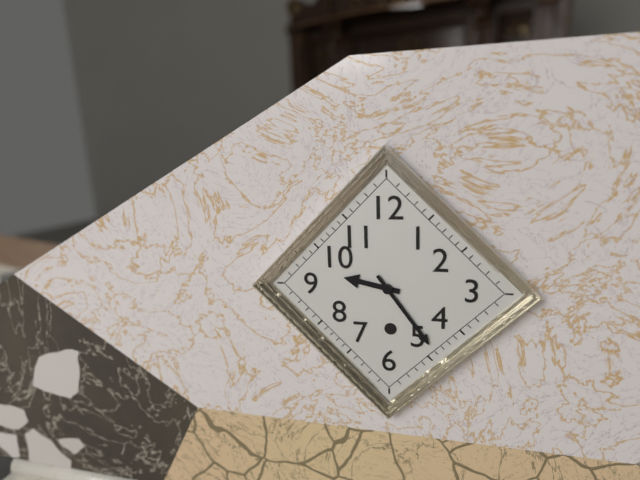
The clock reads **9:24**
